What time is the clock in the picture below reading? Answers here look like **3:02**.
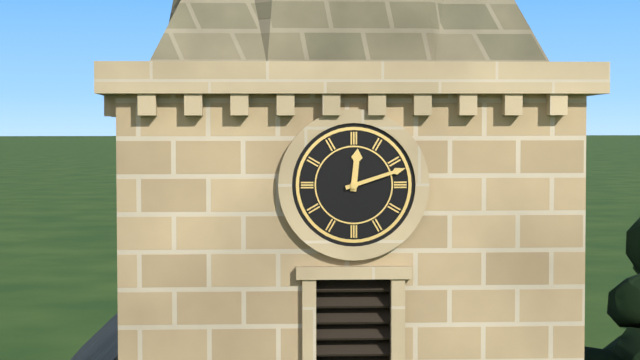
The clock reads **12:12**
